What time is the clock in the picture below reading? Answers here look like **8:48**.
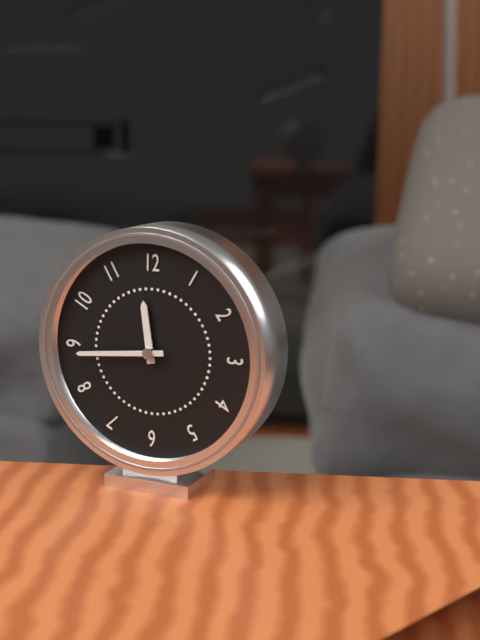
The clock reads **11:44**
